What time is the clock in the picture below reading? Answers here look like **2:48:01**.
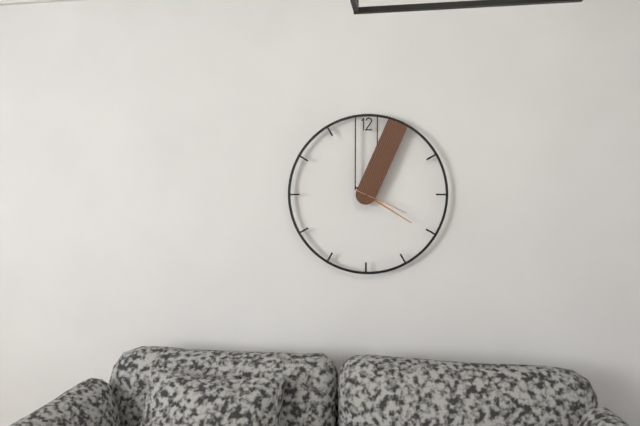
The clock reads **4:04:19**
